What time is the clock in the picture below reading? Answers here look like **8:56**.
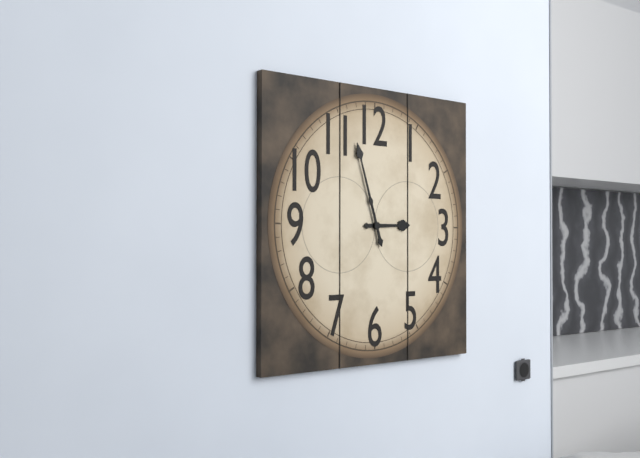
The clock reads **2:57**
